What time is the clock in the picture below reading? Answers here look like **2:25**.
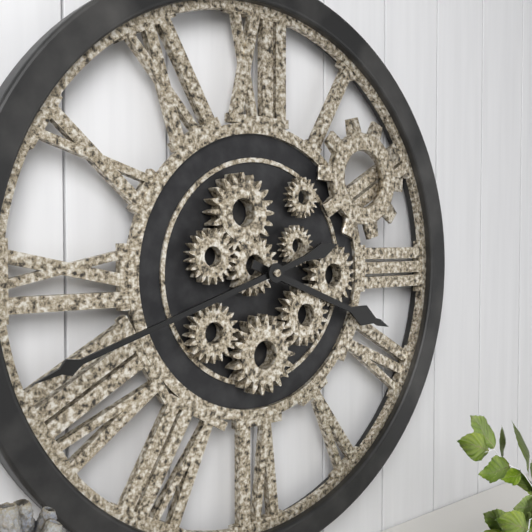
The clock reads **3:42**
